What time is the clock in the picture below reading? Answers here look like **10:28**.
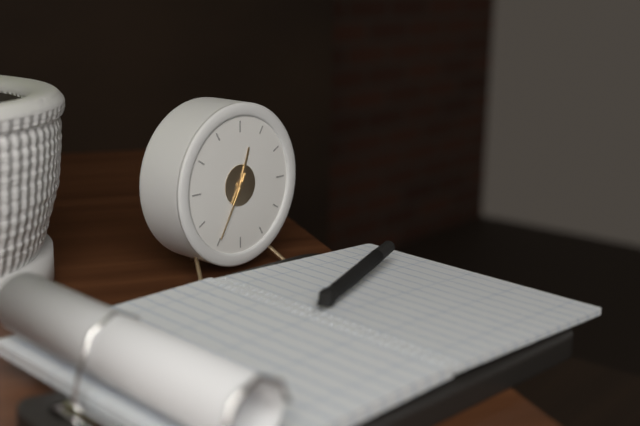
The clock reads **12:35**
